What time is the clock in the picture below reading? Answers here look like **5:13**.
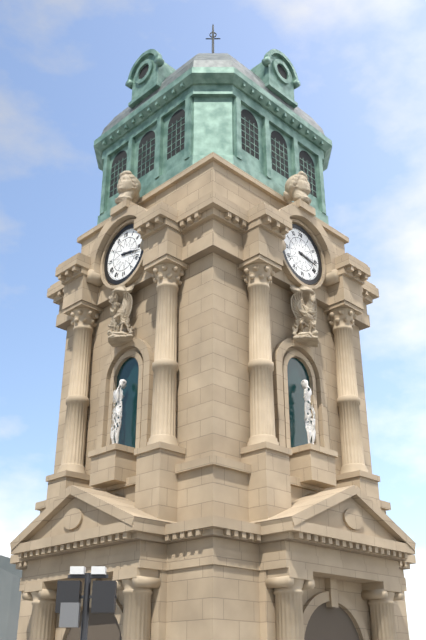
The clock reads **3:17**
